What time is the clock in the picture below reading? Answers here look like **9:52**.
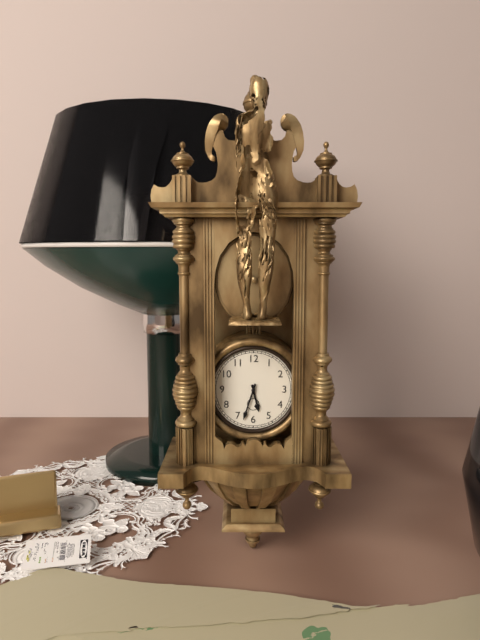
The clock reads **5:33**
